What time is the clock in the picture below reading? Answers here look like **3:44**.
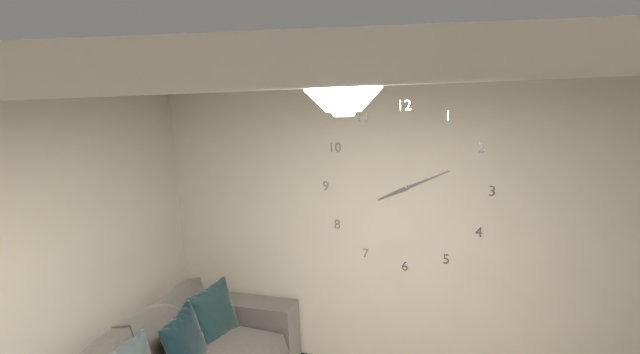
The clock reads **8:11**
